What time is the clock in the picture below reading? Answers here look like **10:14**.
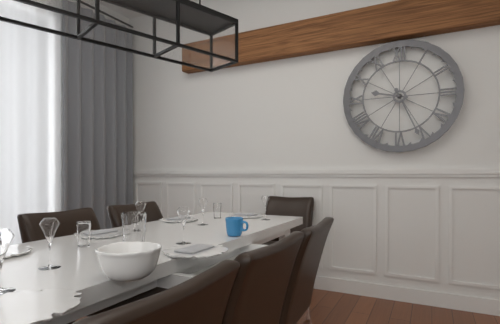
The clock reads **9:26**
